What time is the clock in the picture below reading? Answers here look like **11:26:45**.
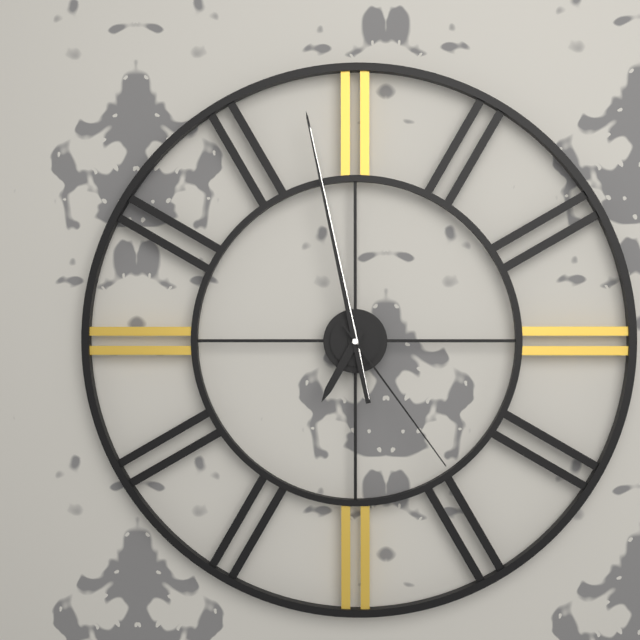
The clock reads **6:58:24**
